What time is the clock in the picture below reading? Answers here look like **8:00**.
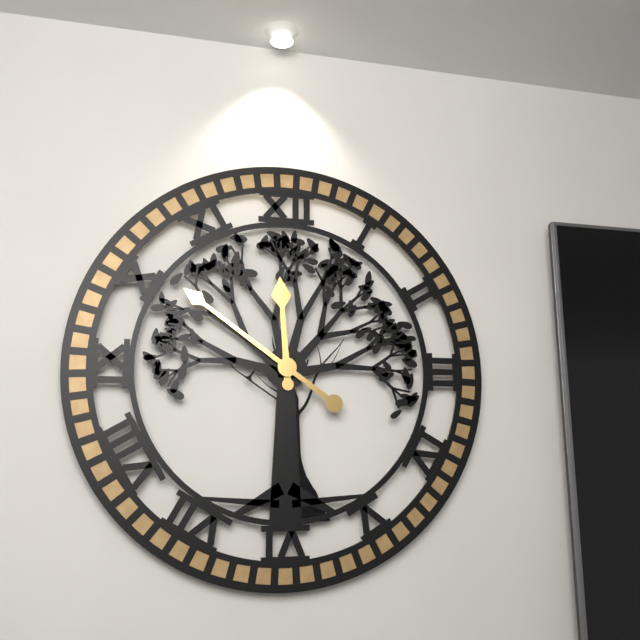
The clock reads **11:51**
